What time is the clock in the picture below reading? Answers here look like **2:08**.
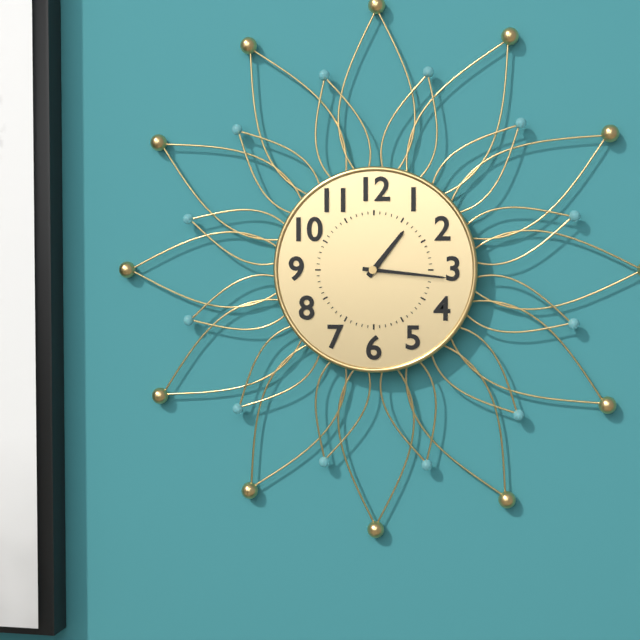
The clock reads **1:16**
